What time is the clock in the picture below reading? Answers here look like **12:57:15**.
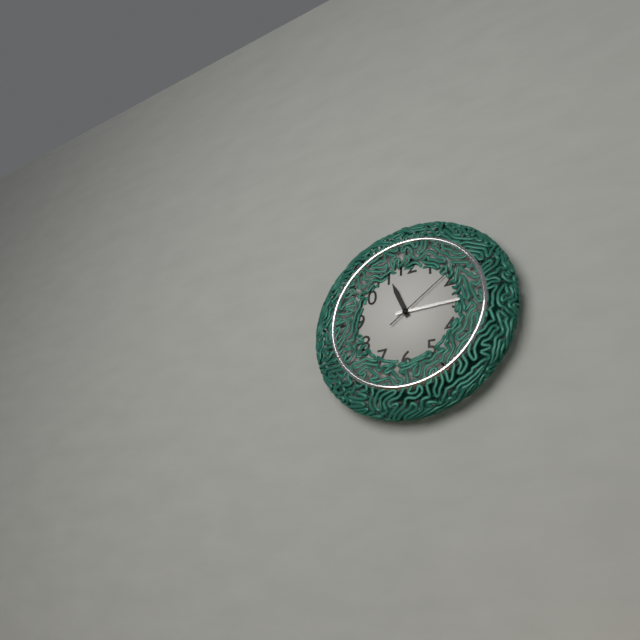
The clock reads **11:15:09**
